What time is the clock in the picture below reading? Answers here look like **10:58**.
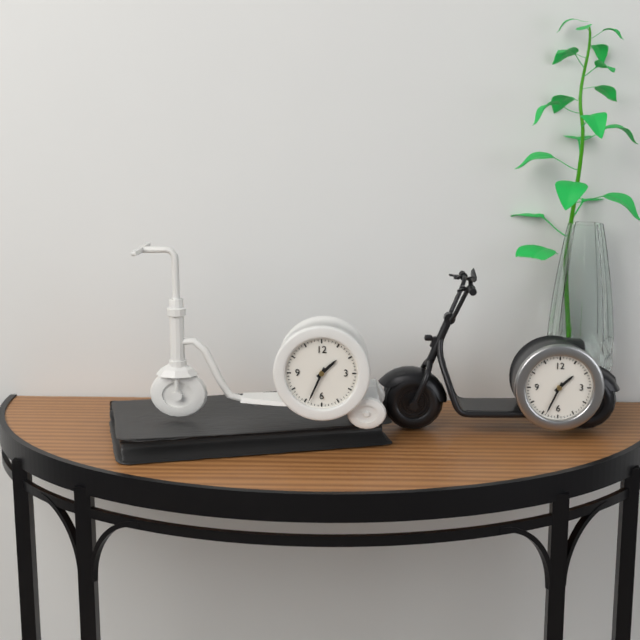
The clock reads **1:34**
